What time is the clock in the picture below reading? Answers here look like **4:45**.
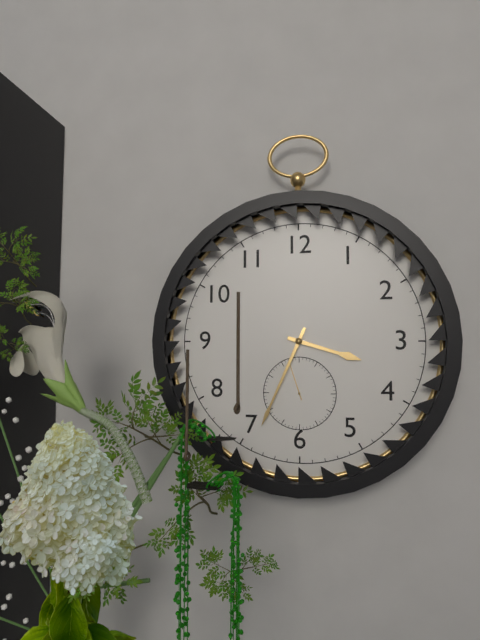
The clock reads **3:34**
